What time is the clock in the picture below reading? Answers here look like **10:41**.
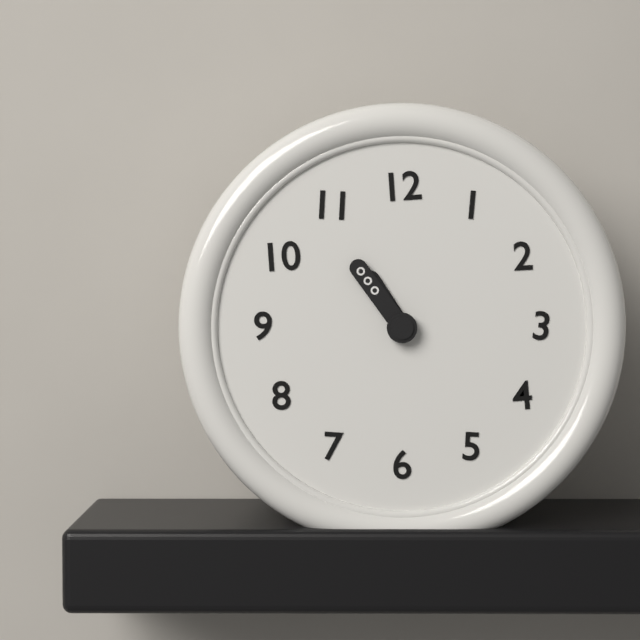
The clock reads **10:54**
